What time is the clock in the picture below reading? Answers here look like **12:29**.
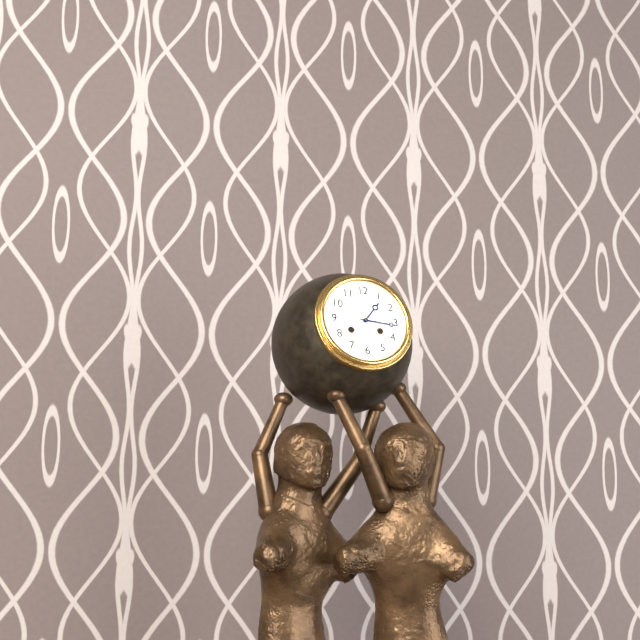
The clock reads **1:16**
